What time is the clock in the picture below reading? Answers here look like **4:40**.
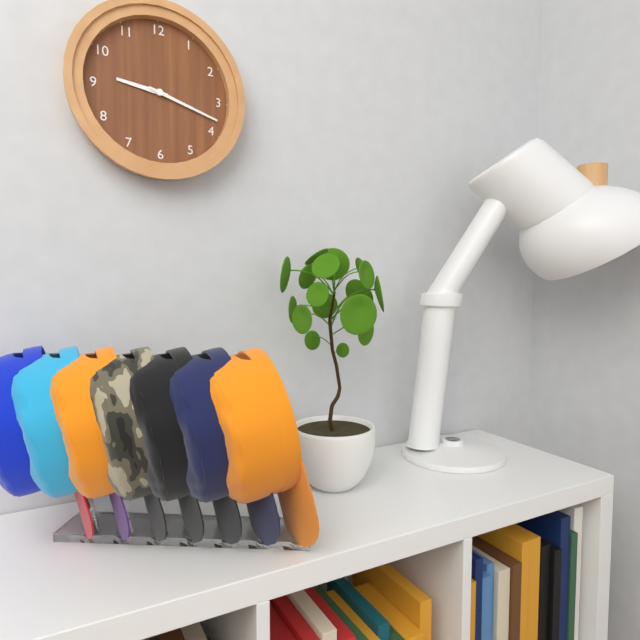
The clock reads **9:18**
